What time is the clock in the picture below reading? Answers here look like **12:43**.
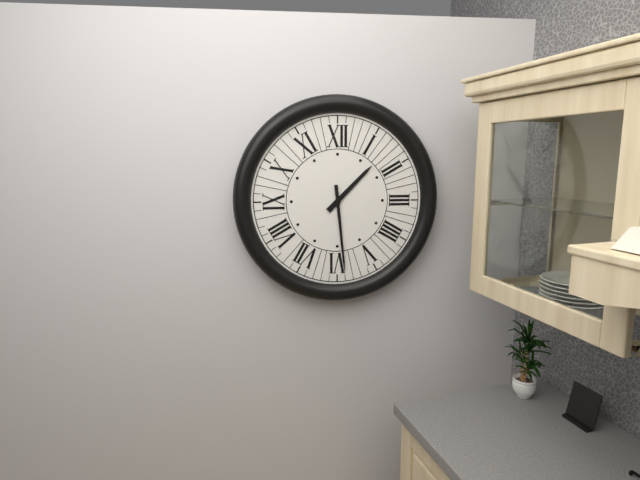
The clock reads **1:29**
